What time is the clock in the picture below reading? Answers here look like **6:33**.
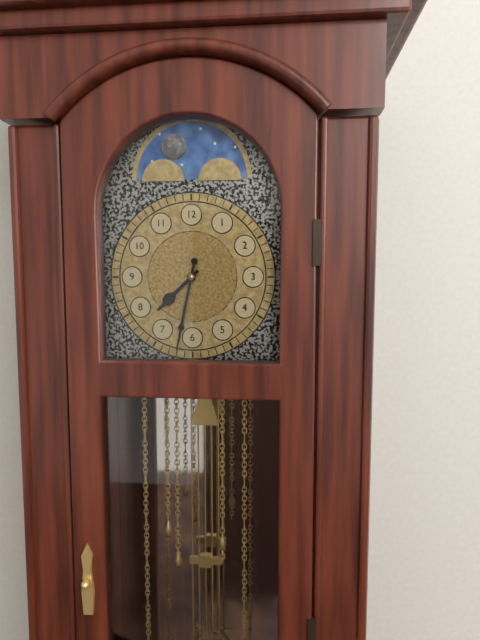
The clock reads **7:32**
